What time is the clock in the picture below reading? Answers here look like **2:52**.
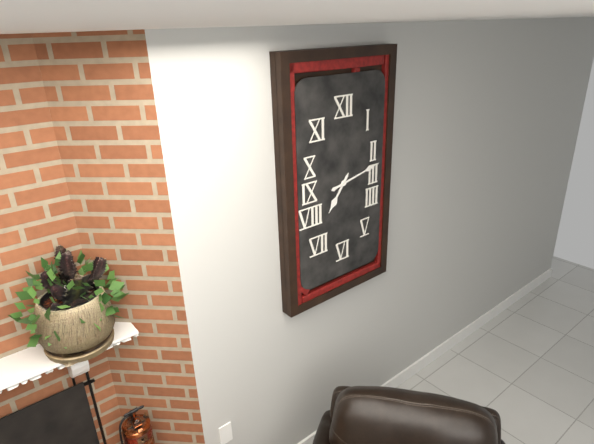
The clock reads **7:13**
